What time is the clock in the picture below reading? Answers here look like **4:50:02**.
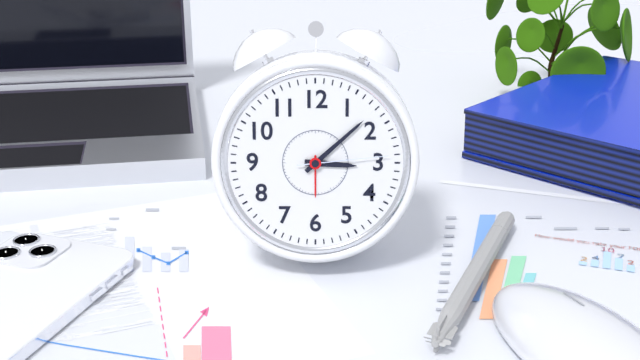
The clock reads **3:08:14**
